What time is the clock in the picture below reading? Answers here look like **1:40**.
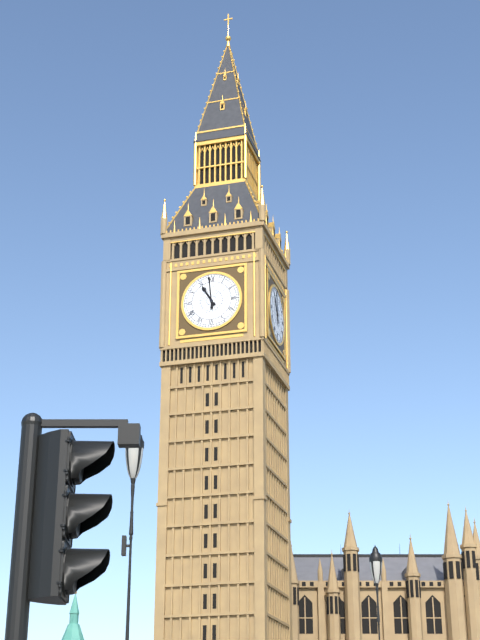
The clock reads **10:59**
